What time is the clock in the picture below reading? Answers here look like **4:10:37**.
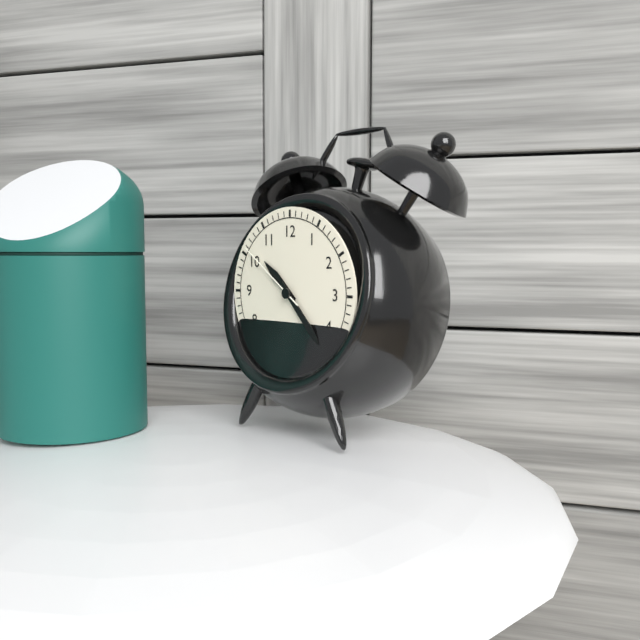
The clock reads **10:23:51**
